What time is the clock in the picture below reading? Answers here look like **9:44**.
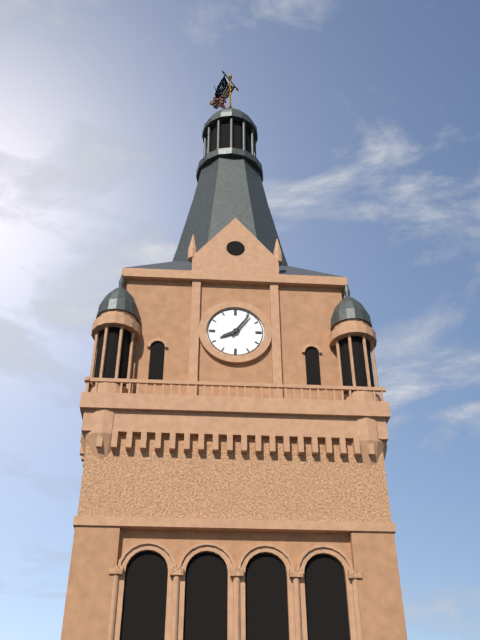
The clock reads **8:06**
